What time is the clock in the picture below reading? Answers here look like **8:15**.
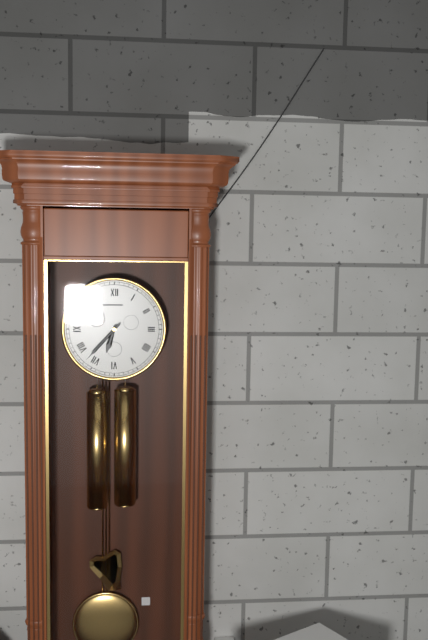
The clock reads **6:37**
